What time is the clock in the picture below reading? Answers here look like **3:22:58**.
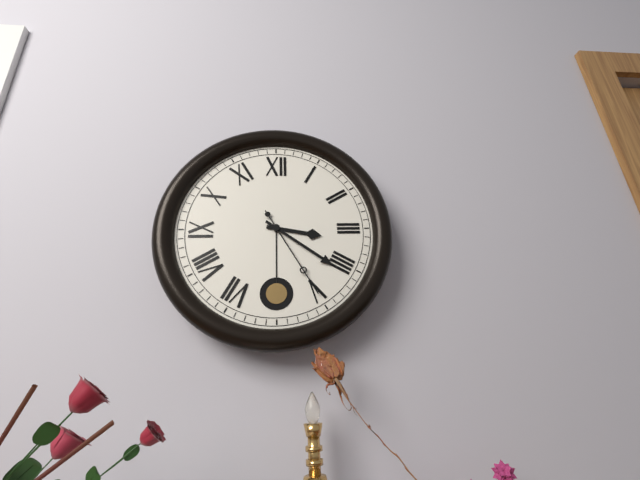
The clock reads **3:21:25**
